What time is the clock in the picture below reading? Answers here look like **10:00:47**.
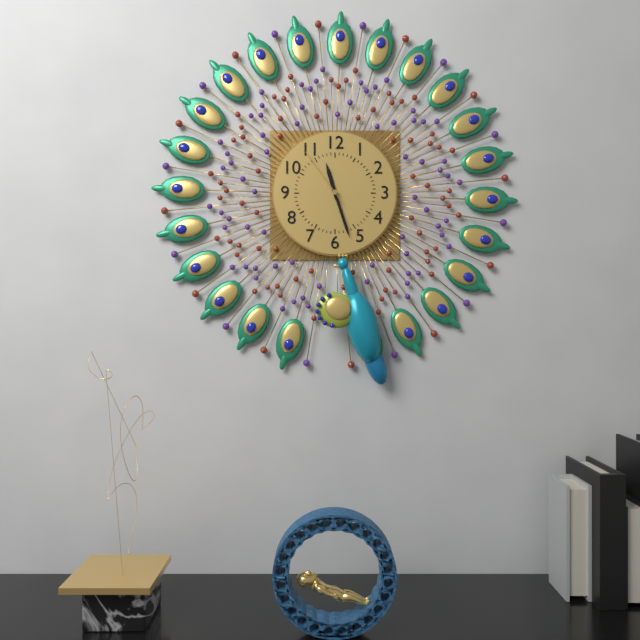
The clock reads **11:27:54**
